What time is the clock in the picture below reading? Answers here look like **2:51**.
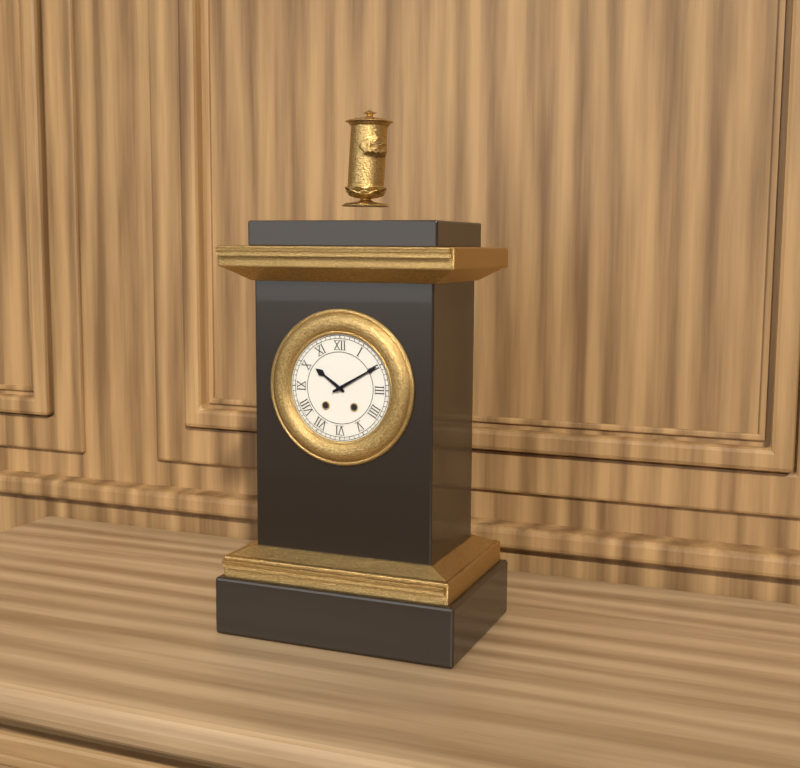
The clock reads **10:10**
